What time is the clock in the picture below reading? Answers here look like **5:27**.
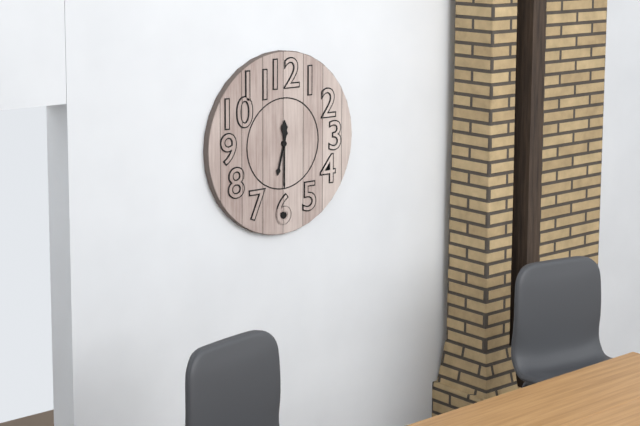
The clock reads **6:30**
